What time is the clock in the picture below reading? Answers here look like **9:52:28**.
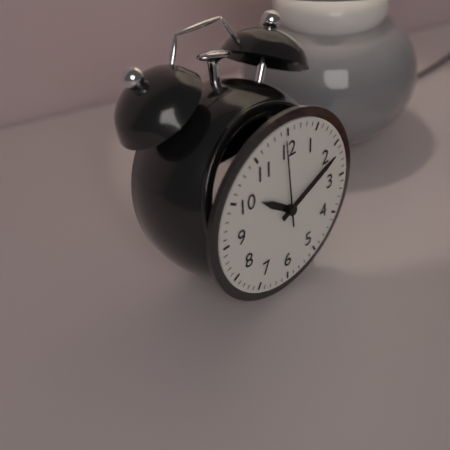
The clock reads **10:11:59**
